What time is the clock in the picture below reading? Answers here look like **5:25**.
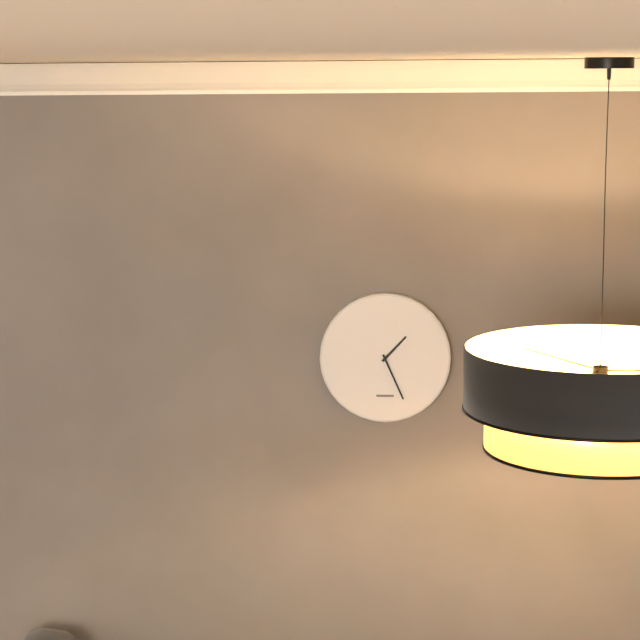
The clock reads **1:26**
